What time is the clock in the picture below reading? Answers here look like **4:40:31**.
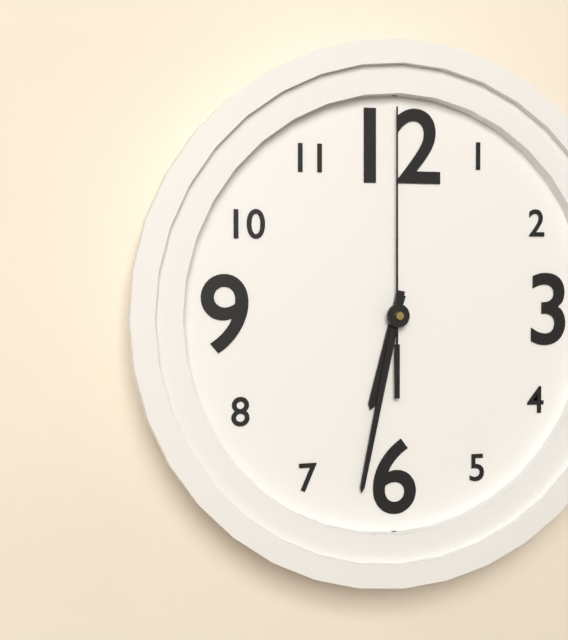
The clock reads **6:32:00**
